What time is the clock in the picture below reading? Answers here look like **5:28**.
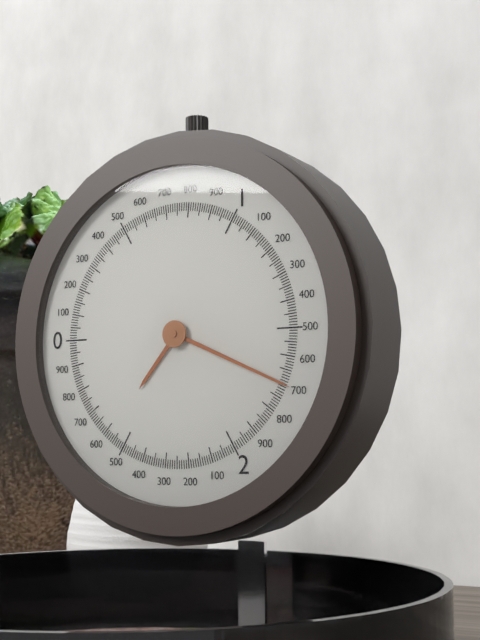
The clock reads **7:19**
